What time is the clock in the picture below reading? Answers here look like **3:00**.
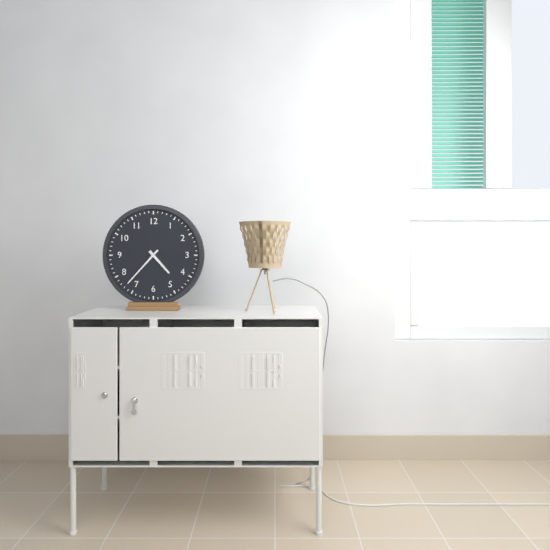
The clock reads **4:37**
